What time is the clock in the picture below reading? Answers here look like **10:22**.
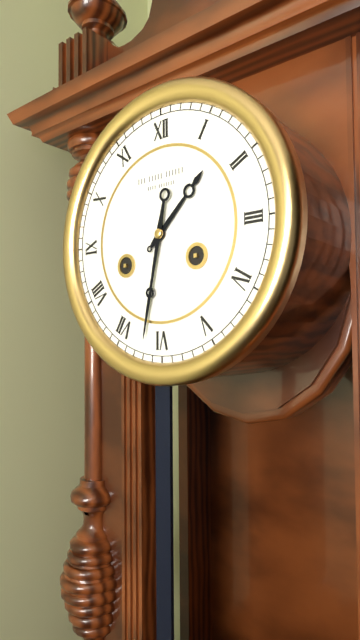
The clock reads **1:32**
